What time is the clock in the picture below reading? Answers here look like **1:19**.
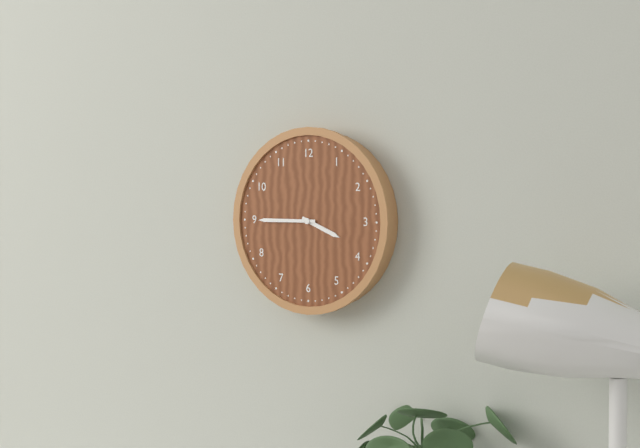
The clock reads **3:45**
